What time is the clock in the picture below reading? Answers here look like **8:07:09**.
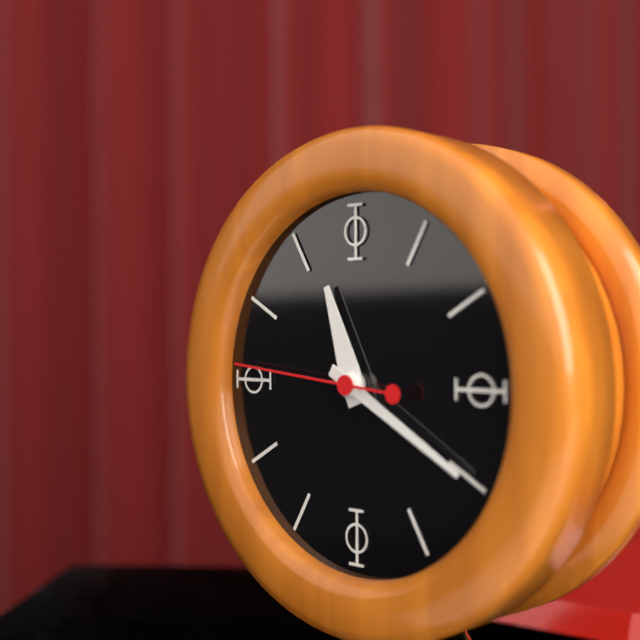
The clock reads **11:20:46**
